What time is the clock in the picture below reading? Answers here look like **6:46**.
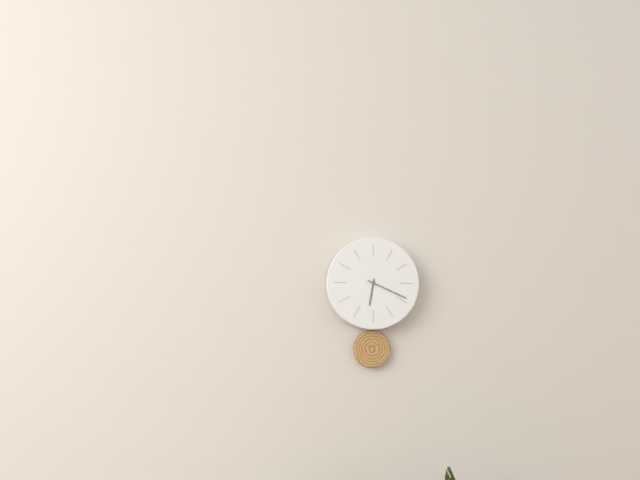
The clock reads **6:19**
